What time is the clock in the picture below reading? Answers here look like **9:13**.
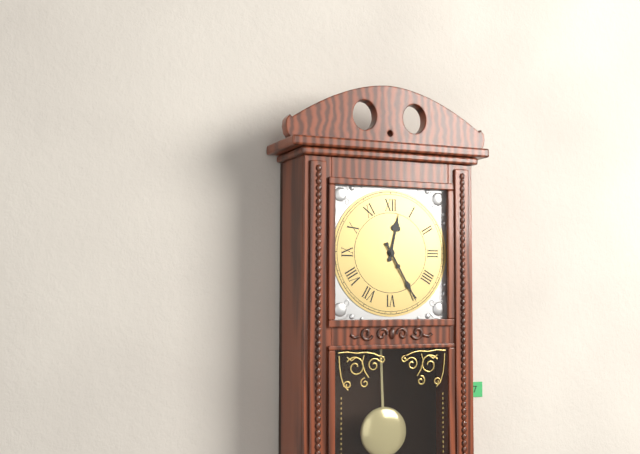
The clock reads **12:25**
